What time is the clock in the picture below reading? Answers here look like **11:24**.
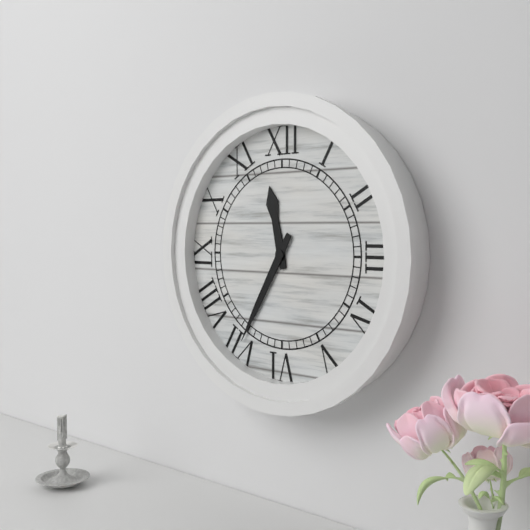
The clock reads **11:35**
